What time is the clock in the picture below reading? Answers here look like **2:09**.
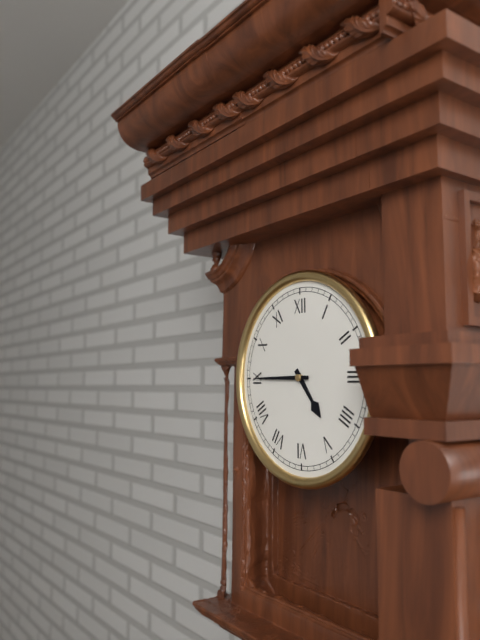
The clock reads **4:45**
